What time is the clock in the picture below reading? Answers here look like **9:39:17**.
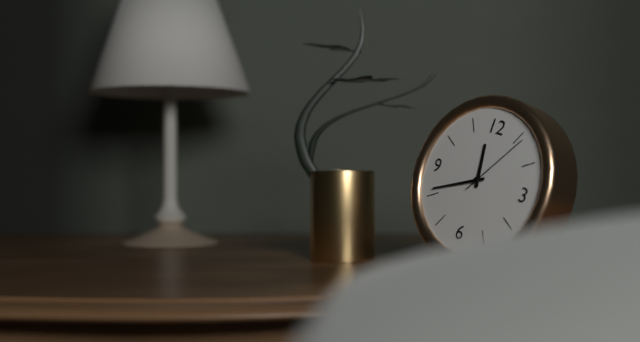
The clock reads **11:41:06**
